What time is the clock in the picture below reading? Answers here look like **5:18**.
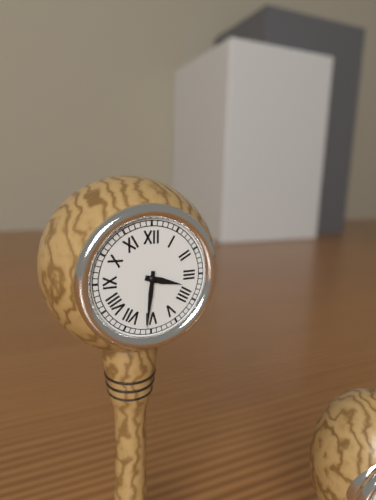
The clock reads **3:31**
